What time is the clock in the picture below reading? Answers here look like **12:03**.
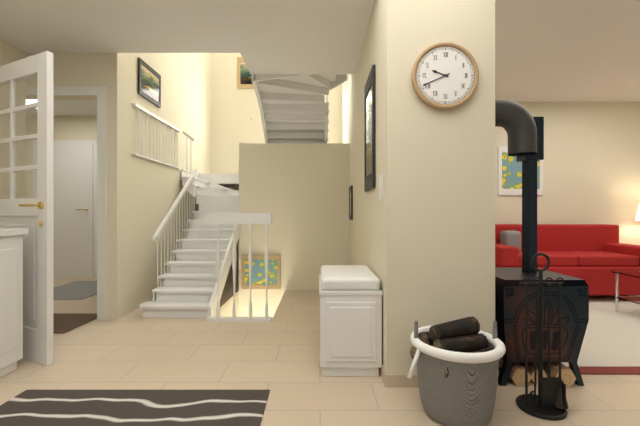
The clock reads **9:41**
